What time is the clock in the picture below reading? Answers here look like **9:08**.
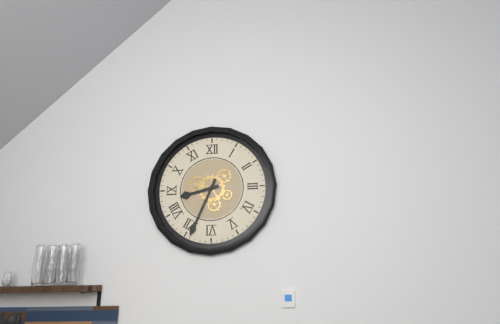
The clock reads **8:34**
